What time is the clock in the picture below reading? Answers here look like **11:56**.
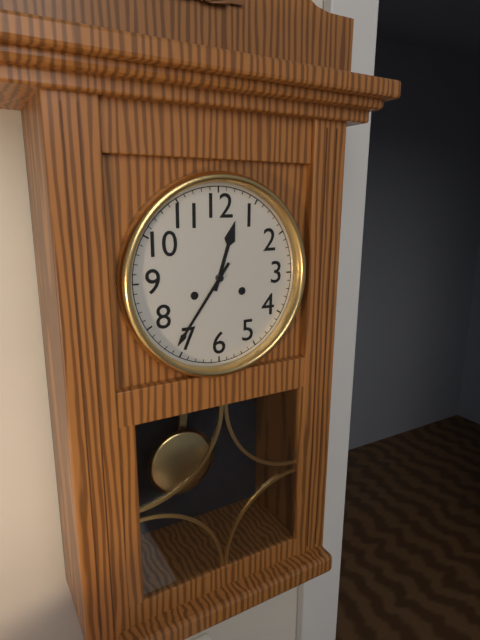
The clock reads **12:36**
